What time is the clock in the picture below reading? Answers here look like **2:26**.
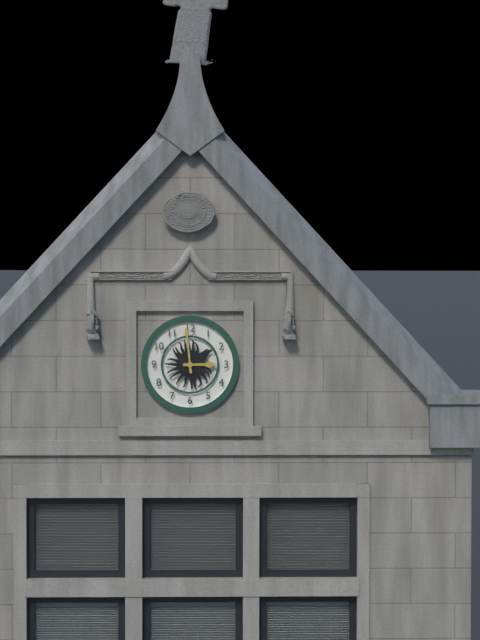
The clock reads **2:59**
